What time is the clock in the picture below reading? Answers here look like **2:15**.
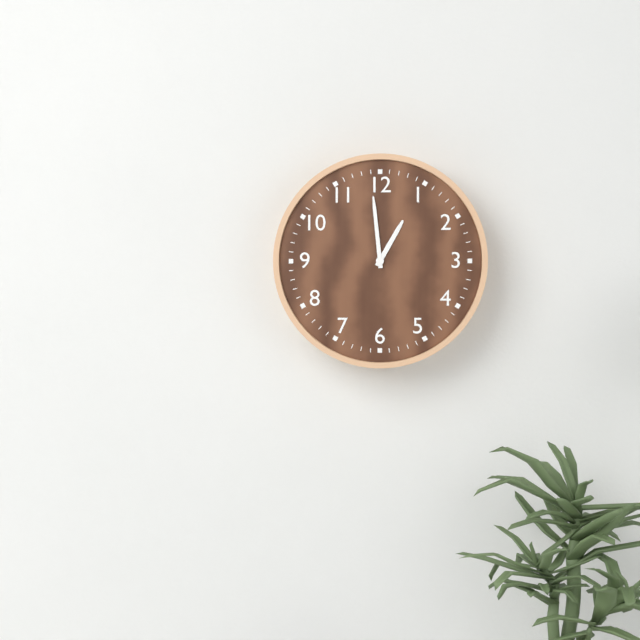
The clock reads **12:59**
